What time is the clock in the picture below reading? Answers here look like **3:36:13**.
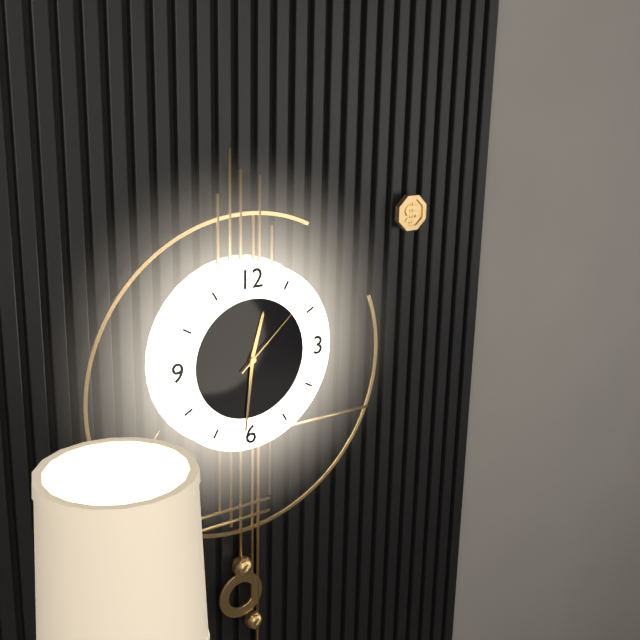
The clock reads **12:31:08**
